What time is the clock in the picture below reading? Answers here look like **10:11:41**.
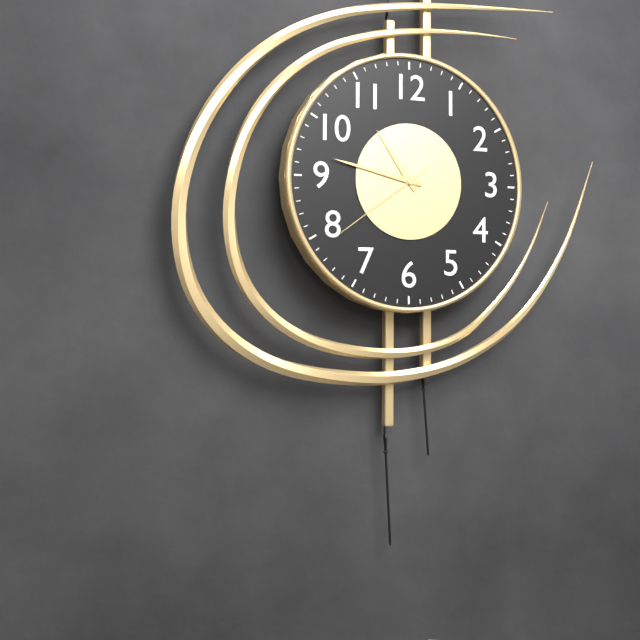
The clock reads **10:47:39**
